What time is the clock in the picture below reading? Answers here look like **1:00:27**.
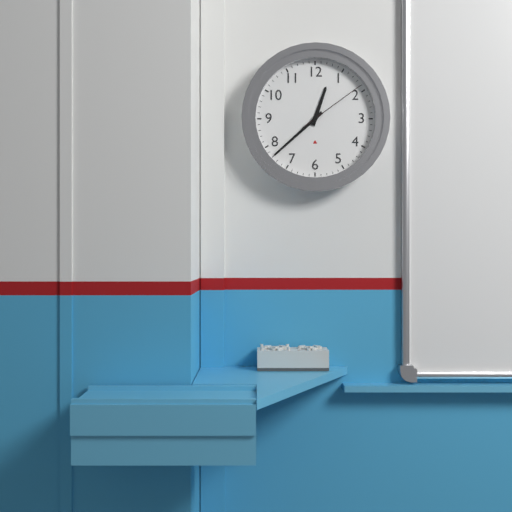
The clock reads **12:38:09**
